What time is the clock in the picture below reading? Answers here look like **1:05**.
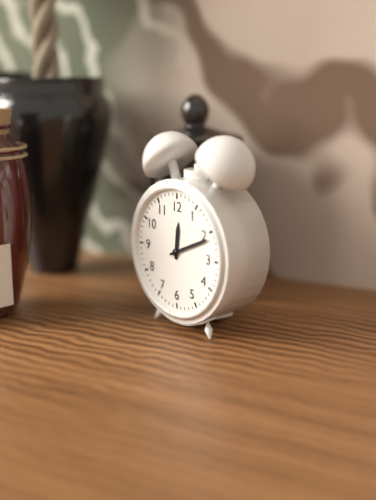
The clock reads **12:11**
